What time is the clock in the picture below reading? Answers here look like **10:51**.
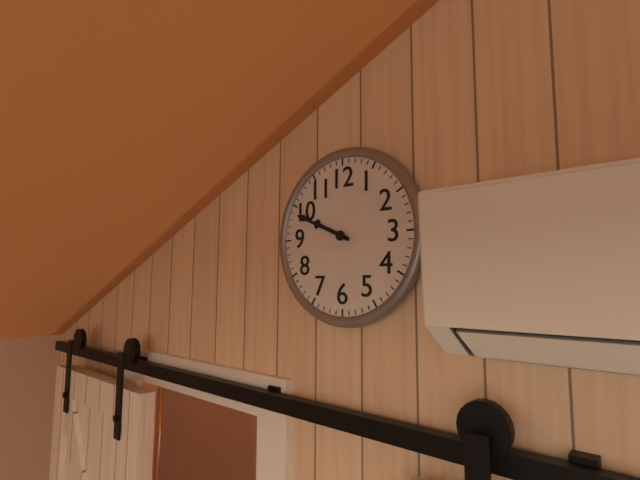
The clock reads **9:49**
